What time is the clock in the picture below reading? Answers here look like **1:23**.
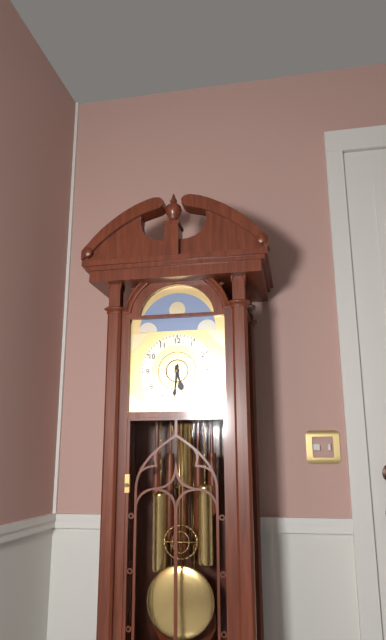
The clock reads **5:31**
